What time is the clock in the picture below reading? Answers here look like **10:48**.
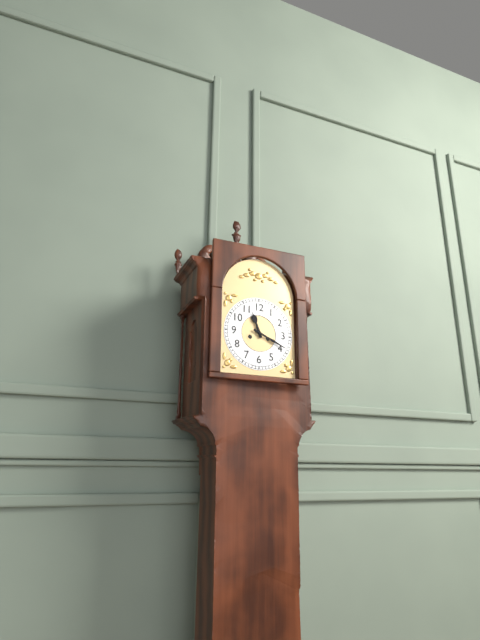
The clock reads **11:19**
